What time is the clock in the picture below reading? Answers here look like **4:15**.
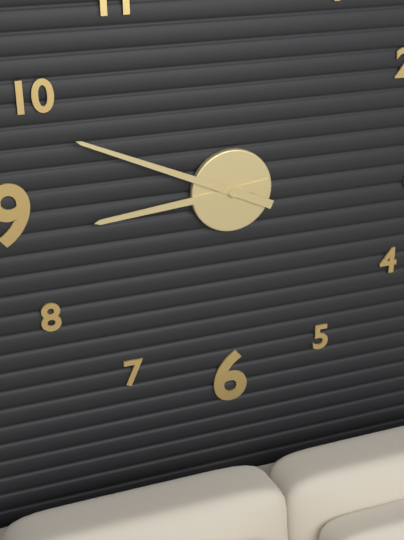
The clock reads **8:49**
